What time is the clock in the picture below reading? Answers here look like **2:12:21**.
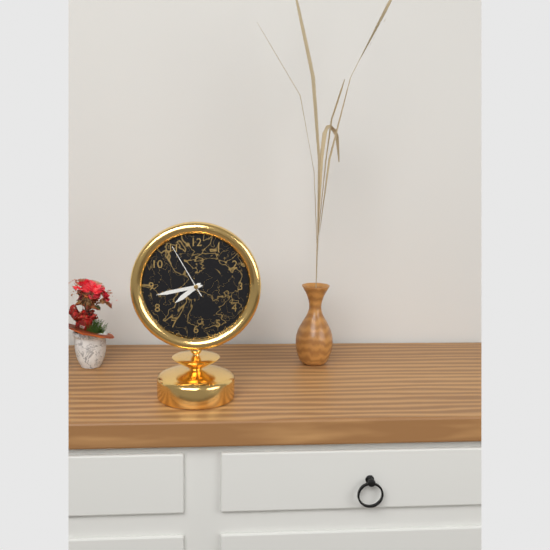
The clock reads **7:43:55**
